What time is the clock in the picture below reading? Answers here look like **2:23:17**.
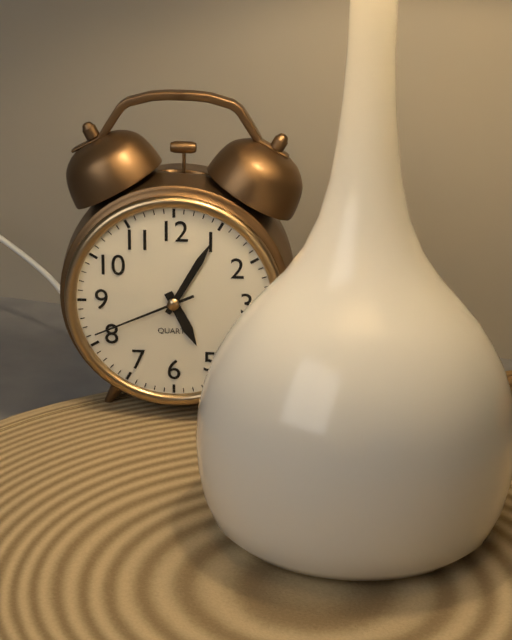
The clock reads **5:05:41**
